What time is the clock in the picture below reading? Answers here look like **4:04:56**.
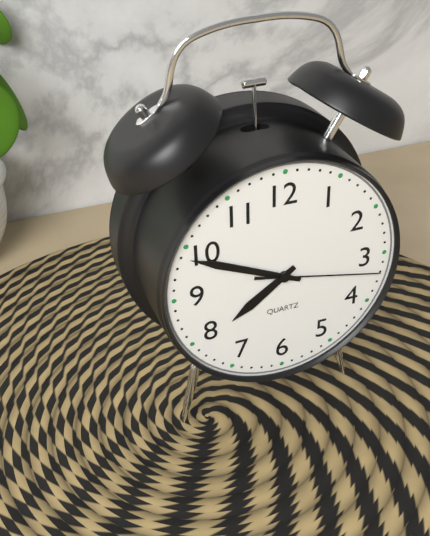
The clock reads **7:49:17**
